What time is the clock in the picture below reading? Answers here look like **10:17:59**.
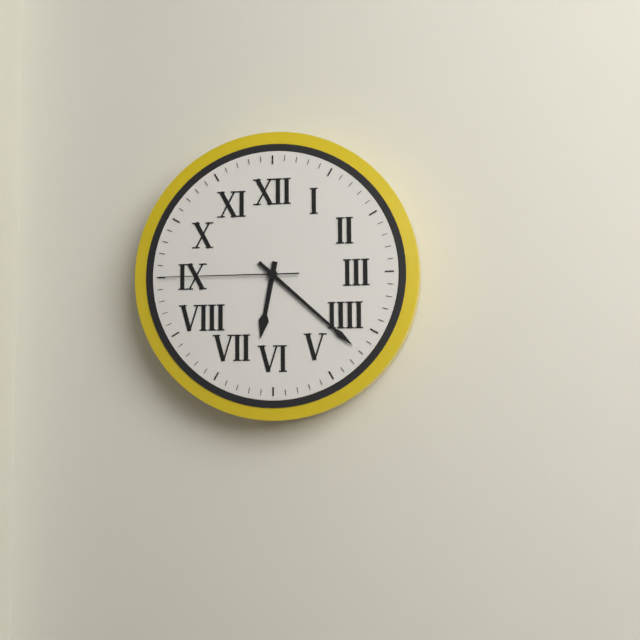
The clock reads **6:22:45**
